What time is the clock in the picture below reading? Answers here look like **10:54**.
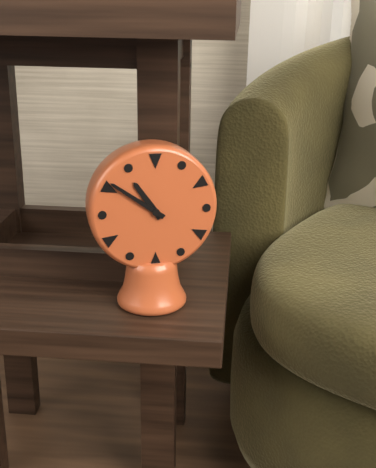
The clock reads **10:51**
